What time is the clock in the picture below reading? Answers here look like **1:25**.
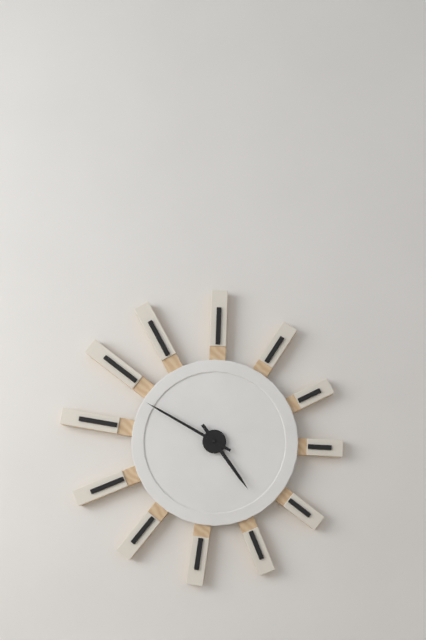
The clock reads **4:50**
